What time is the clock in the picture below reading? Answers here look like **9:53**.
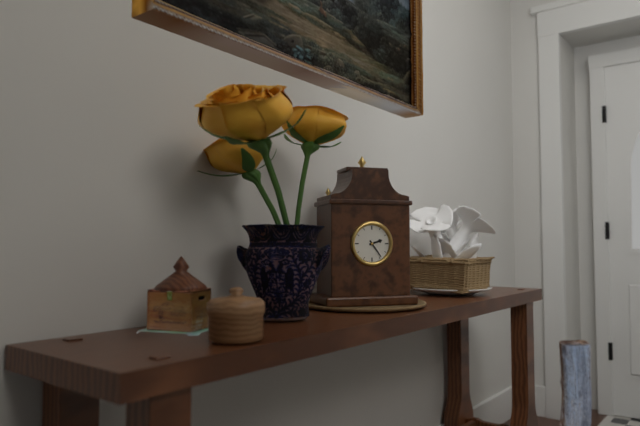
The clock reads **2:24**
